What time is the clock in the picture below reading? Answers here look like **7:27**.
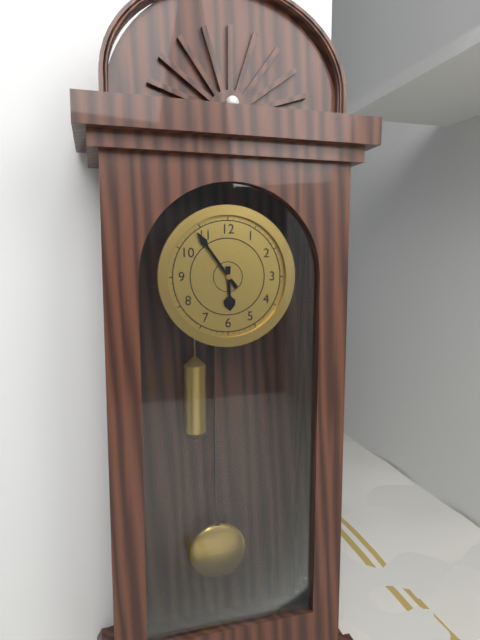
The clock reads **5:54**
